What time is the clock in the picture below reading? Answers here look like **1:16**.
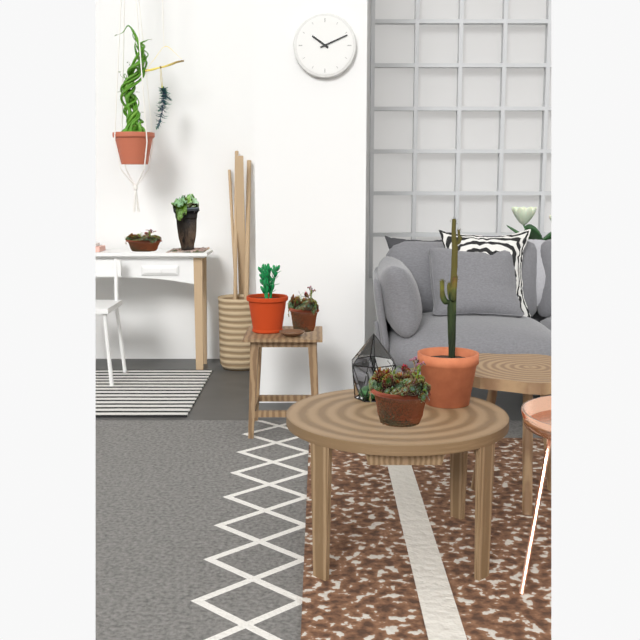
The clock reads **10:11**
